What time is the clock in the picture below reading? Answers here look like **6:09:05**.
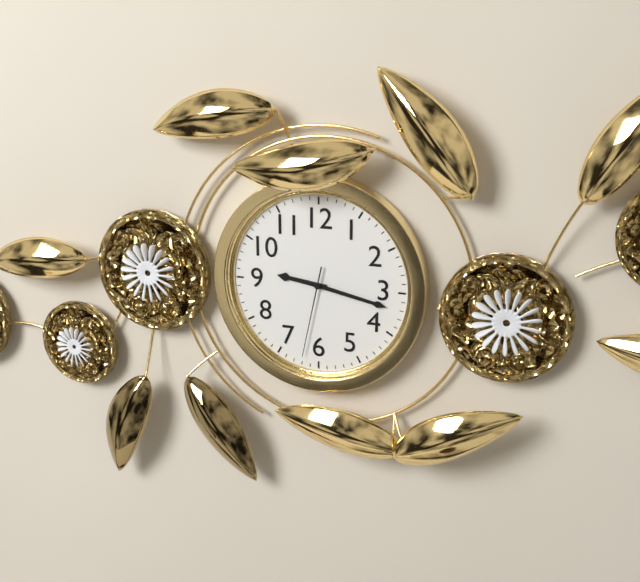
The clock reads **9:17:32**
